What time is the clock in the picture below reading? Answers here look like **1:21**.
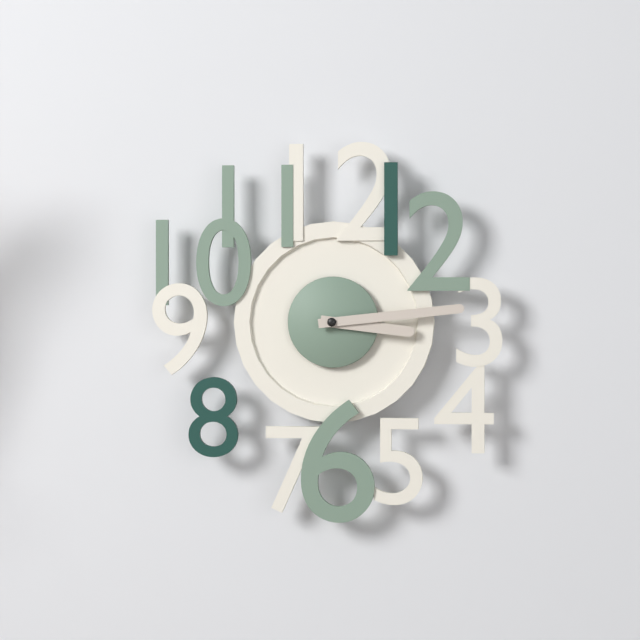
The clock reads **3:14**
